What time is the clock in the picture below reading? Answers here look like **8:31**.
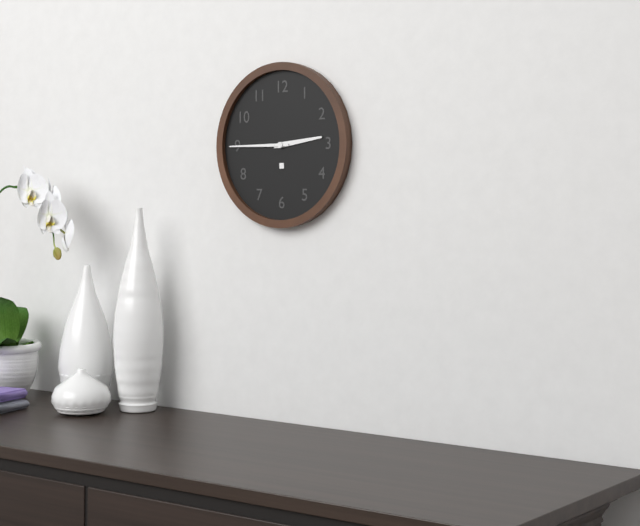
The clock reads **2:45**
